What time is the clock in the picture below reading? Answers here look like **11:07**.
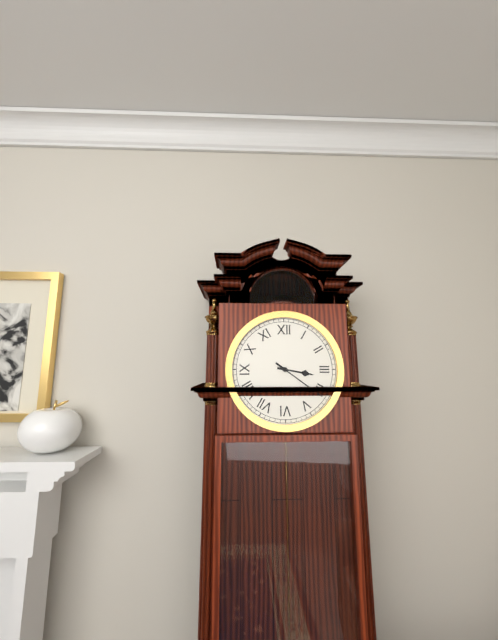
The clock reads **3:21**
